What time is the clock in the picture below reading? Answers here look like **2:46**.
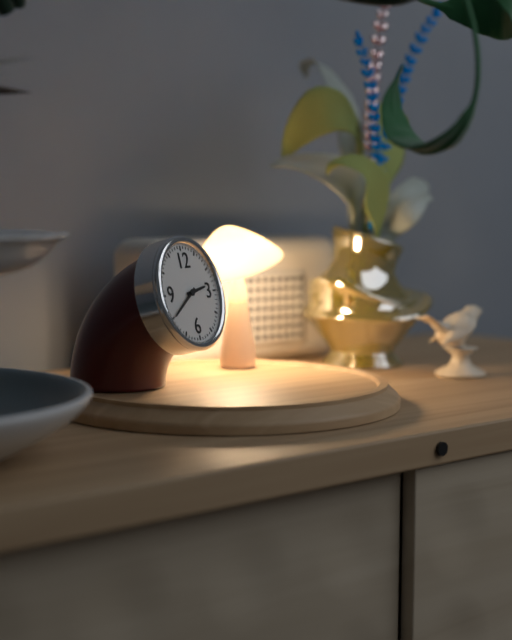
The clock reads **2:40**
